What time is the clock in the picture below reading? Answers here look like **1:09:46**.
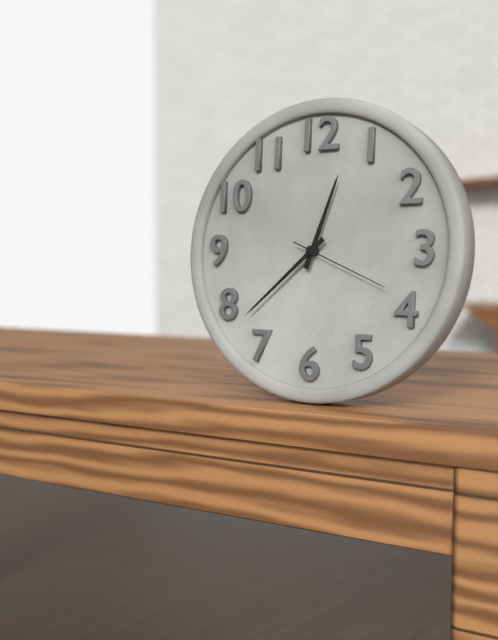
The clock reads **12:38:19**
